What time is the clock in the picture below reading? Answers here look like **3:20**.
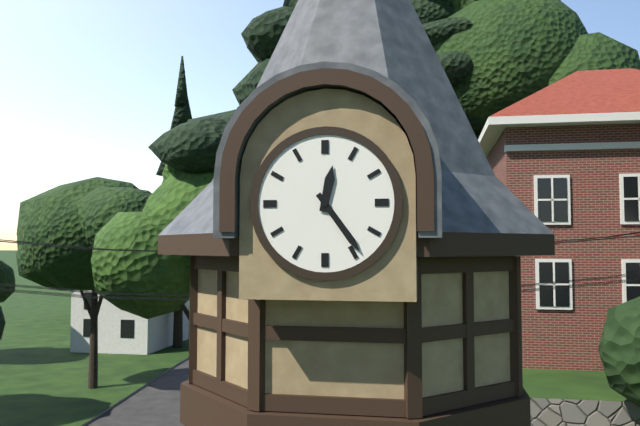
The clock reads **12:24**
